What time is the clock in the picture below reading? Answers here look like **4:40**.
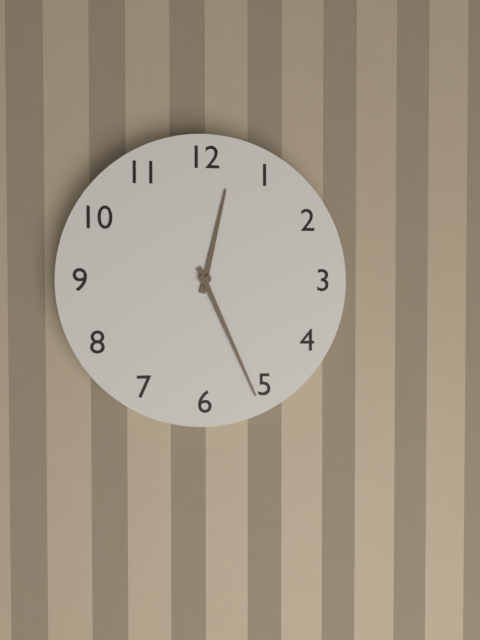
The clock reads **12:26**
